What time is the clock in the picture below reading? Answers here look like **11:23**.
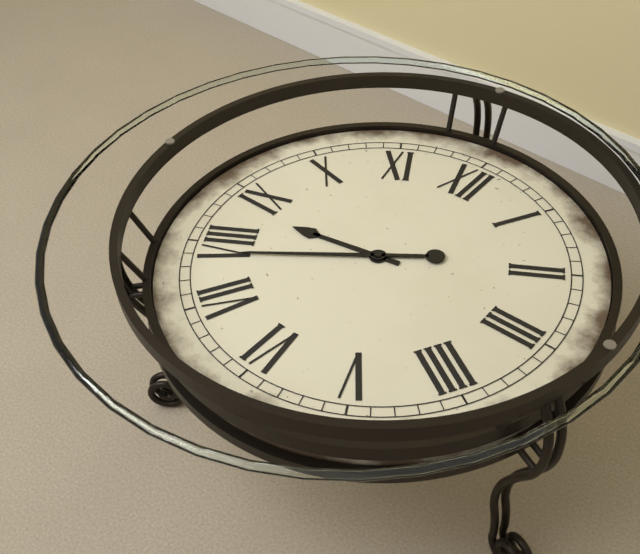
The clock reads **8:39**
